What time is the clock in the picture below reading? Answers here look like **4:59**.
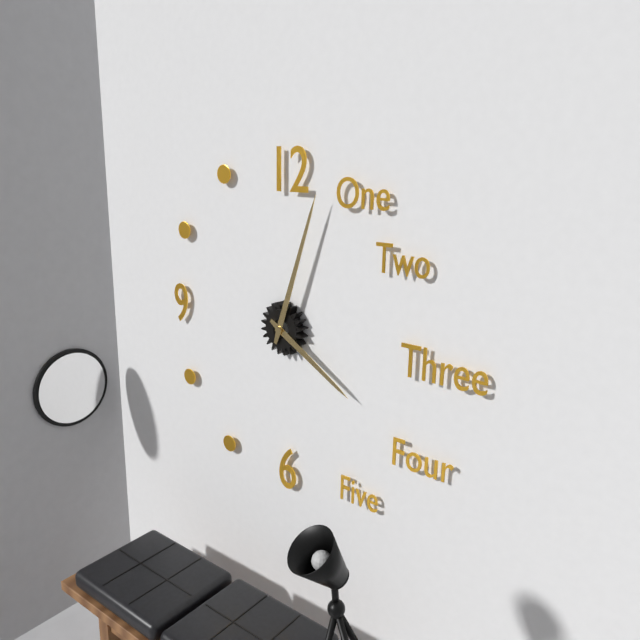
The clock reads **4:03**
